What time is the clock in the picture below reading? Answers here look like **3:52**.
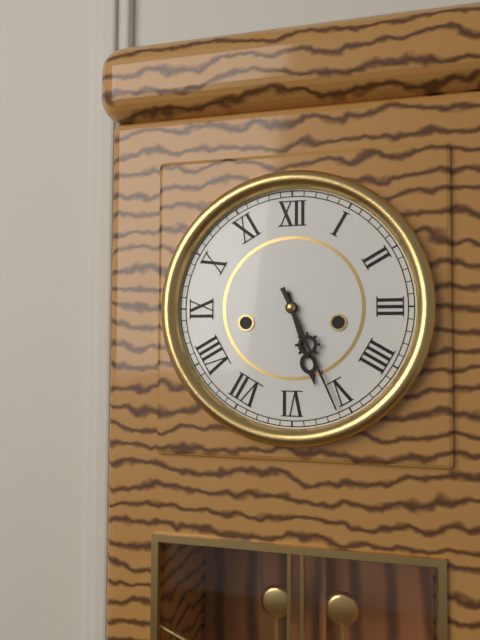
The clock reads **5:26**
